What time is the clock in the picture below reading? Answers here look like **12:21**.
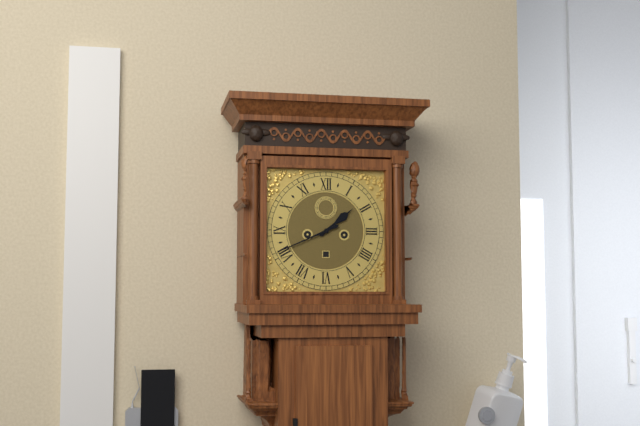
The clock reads **1:41**
